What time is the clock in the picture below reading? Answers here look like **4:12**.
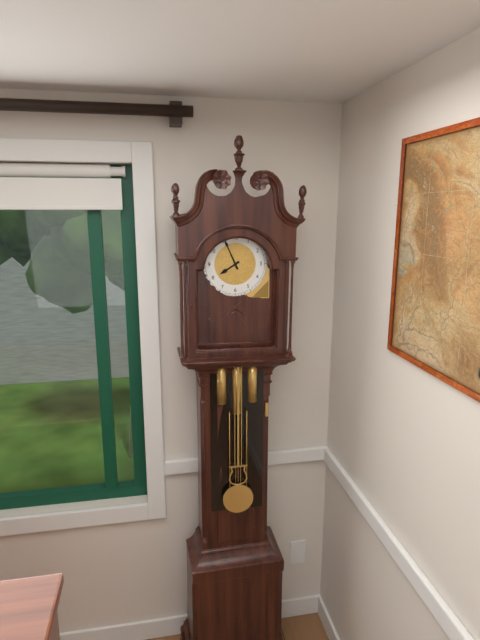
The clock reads **7:56**
